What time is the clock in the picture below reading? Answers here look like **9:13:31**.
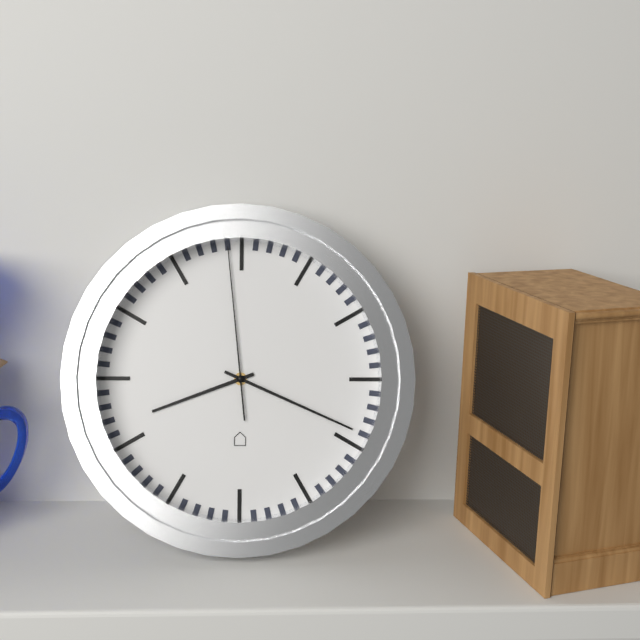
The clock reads **8:19:59**
